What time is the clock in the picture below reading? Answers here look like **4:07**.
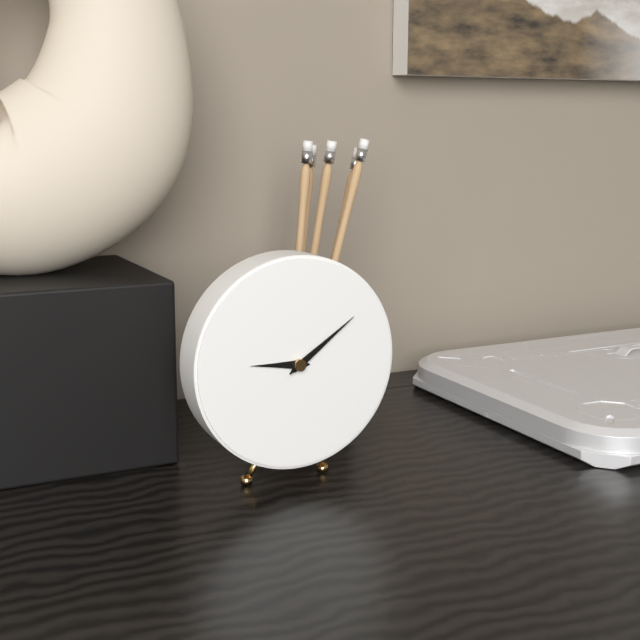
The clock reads **9:09**
